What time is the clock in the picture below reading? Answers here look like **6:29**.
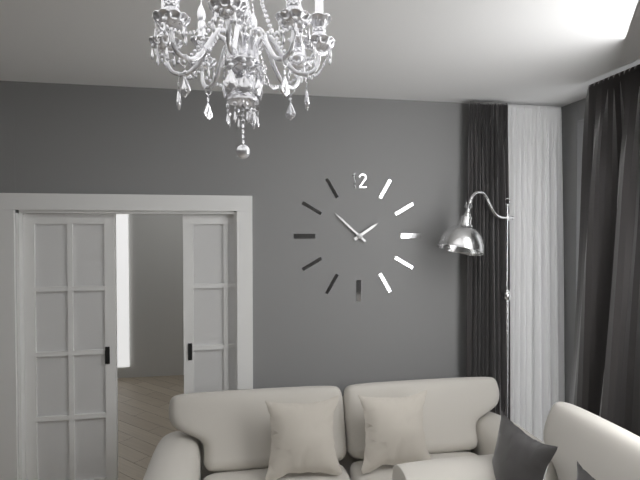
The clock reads **1:52**
